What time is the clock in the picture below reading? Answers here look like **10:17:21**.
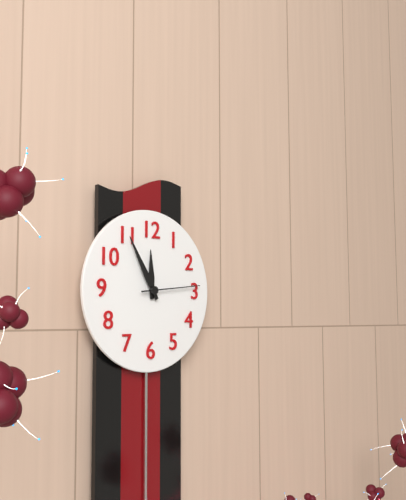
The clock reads **11:55:14**
